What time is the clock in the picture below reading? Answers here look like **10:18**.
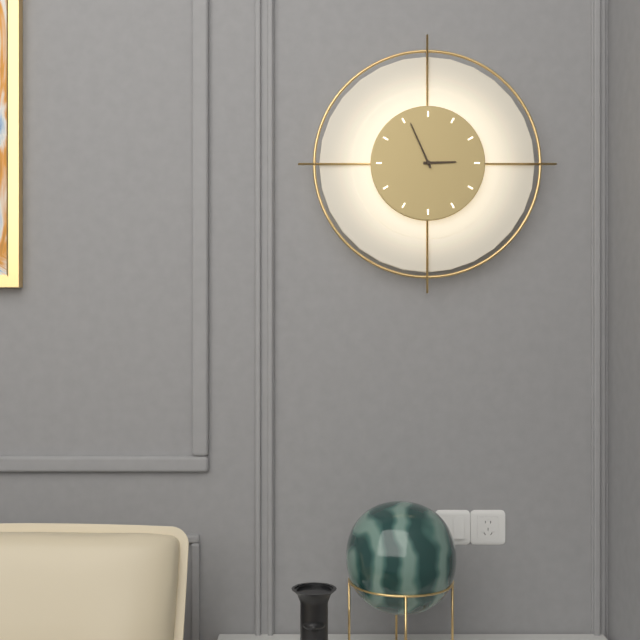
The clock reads **2:56**
